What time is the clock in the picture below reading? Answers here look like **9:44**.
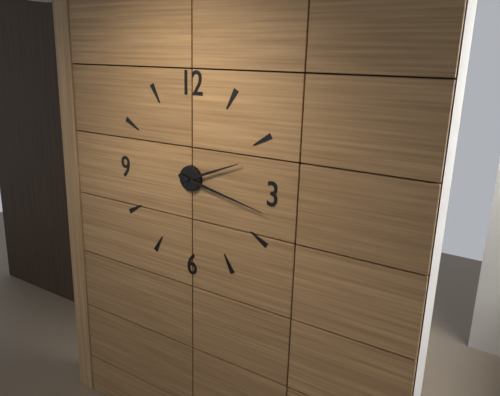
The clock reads **2:17**
